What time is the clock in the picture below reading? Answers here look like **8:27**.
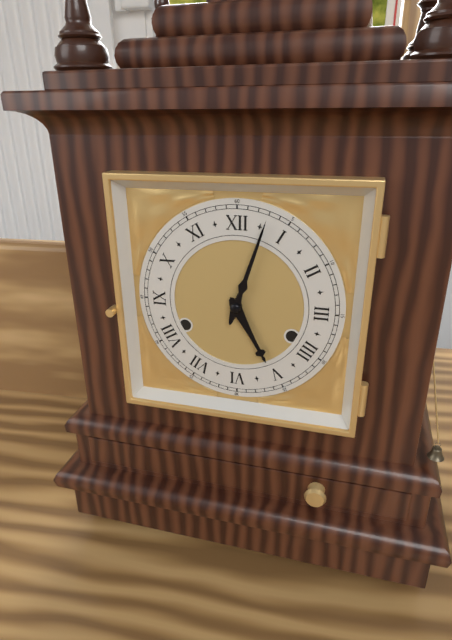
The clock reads **5:03**
